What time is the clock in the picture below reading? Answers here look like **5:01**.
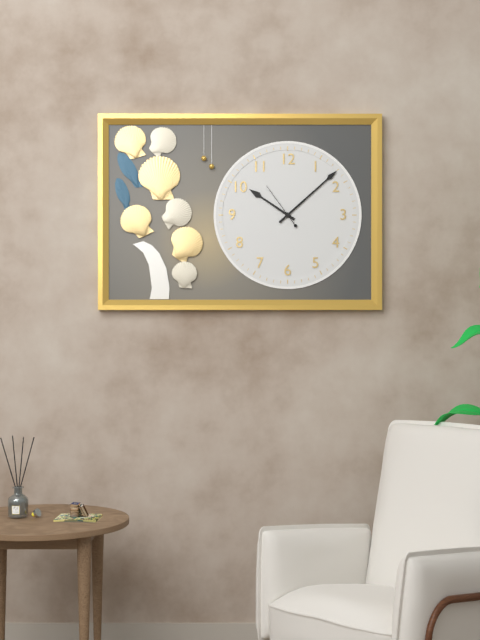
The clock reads **10:08**
